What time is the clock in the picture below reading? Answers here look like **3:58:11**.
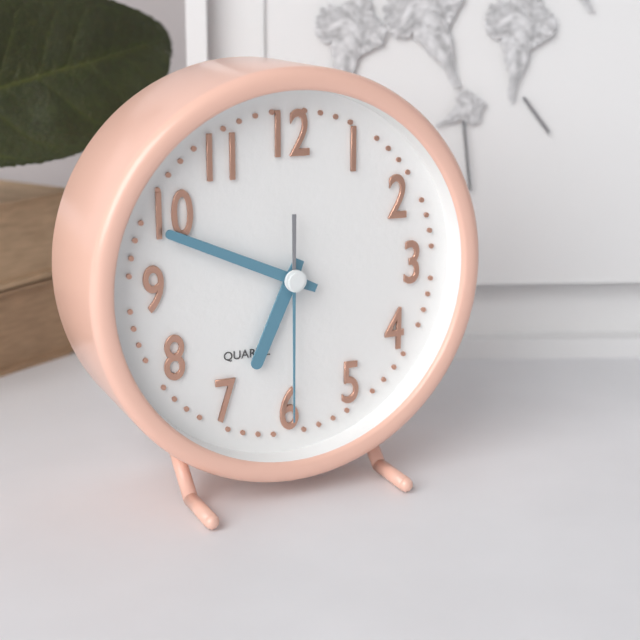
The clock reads **6:49:30**
